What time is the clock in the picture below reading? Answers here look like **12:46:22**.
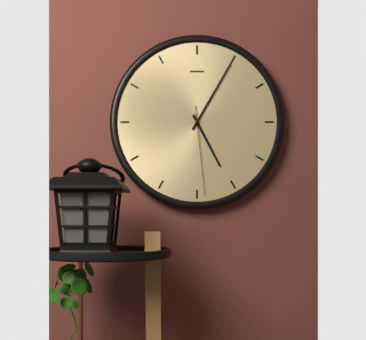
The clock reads **5:05:29**
